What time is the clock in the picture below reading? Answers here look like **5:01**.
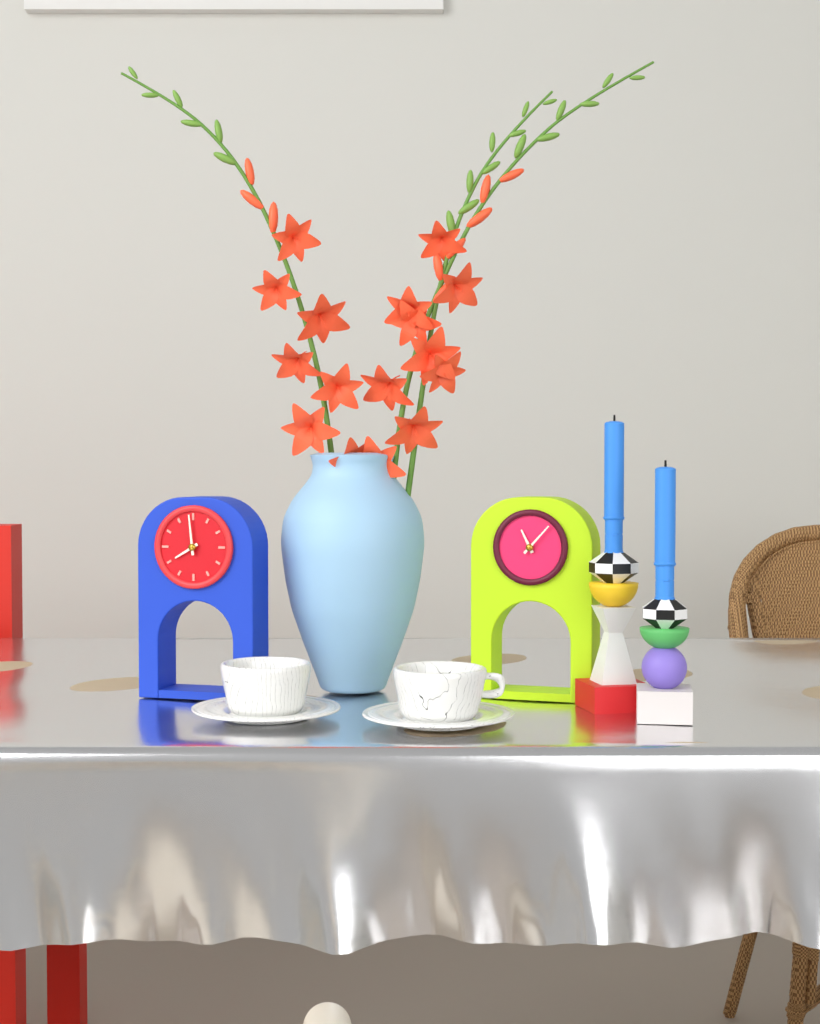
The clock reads **7:59**
